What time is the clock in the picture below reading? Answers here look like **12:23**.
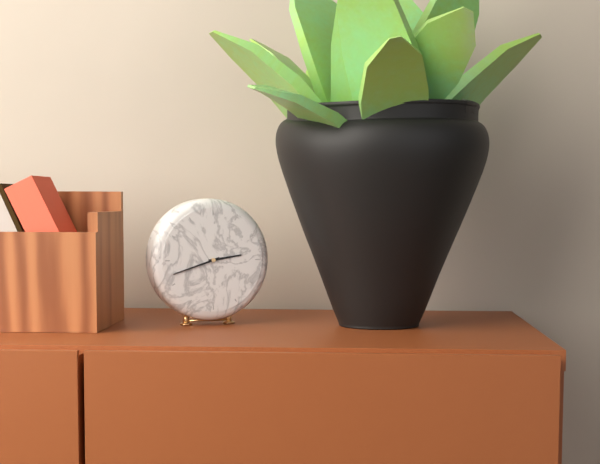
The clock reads **2:42**
